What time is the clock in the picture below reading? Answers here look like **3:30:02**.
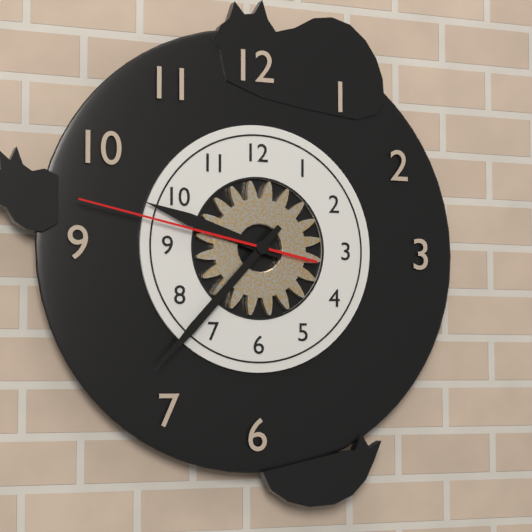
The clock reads **9:37:47**
